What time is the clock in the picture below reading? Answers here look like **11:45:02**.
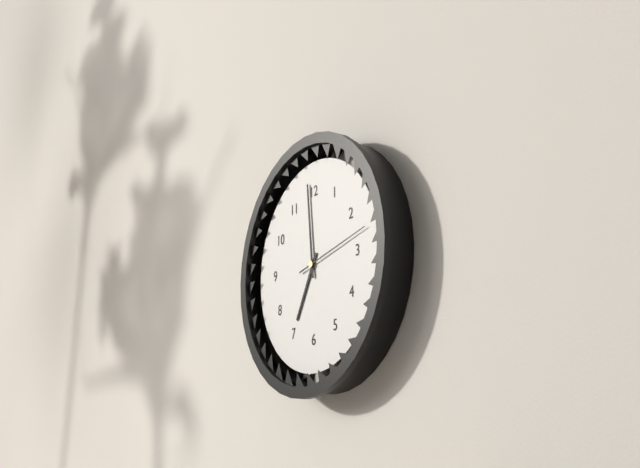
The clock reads **6:59:13**
